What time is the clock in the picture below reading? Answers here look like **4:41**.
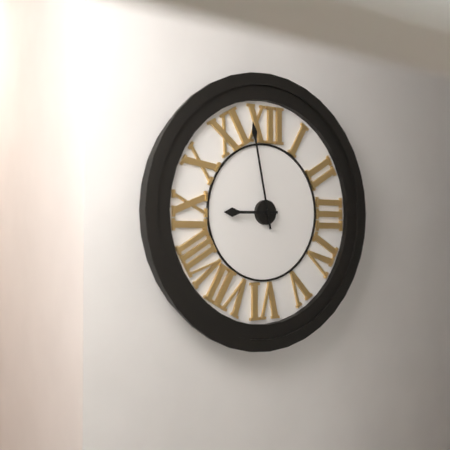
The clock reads **8:58**
